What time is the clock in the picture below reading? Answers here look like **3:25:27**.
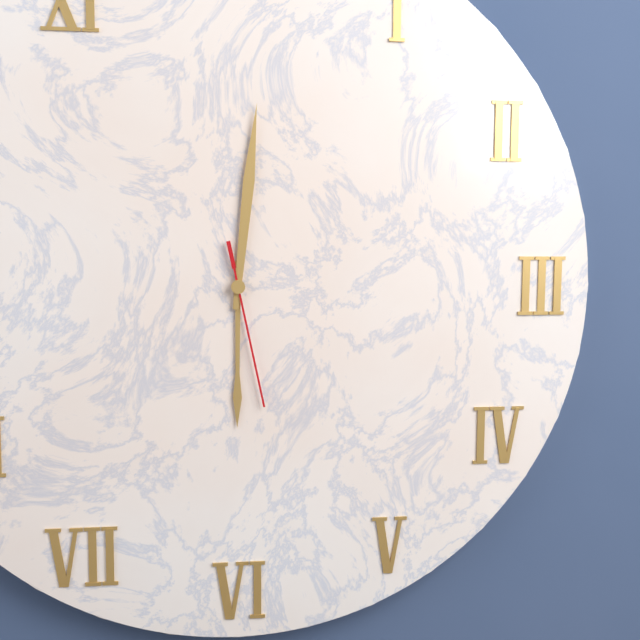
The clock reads **6:01:28**
